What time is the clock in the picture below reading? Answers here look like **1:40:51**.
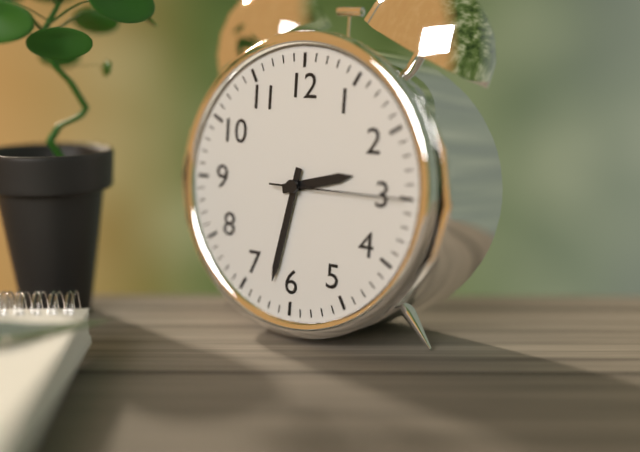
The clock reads **2:32:15**
